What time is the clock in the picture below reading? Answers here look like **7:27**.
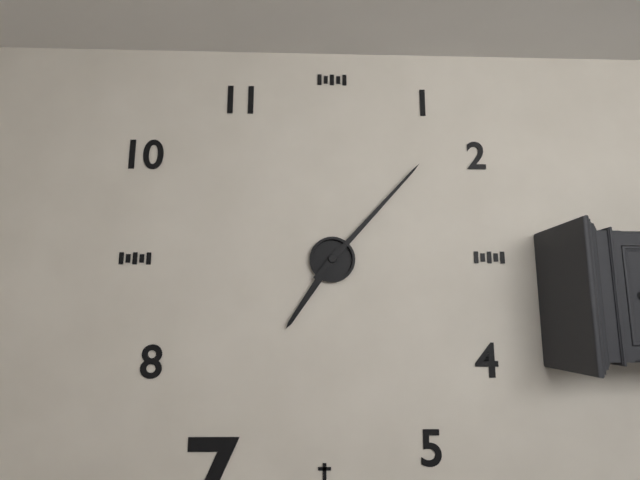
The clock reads **7:07**
